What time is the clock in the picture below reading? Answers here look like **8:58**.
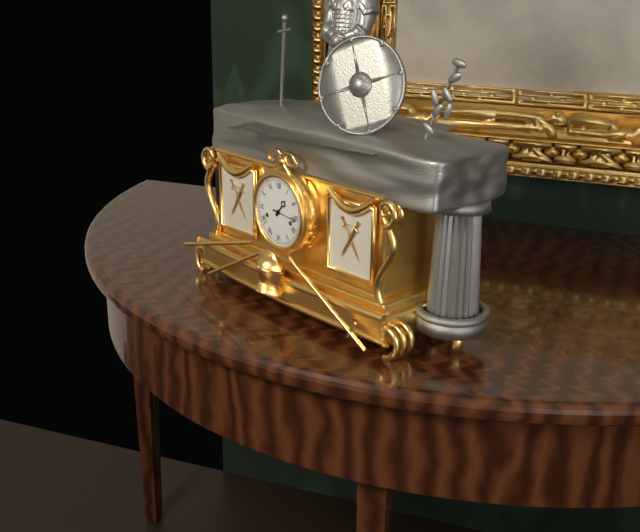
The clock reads **1:16**
